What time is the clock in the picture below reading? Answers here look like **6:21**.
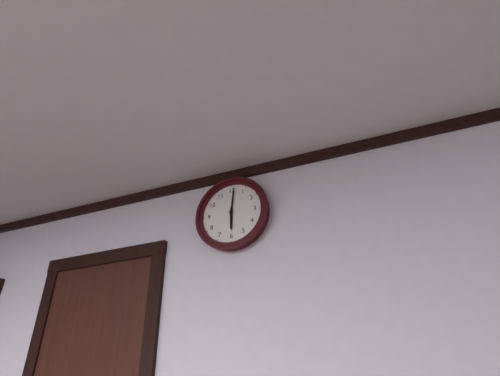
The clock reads **6:01**
